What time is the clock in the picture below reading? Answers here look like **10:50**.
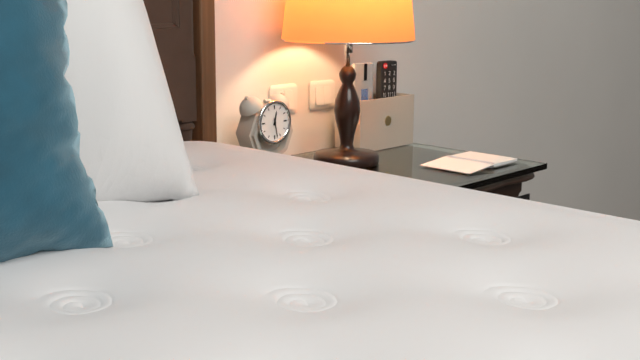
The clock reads **12:28**
